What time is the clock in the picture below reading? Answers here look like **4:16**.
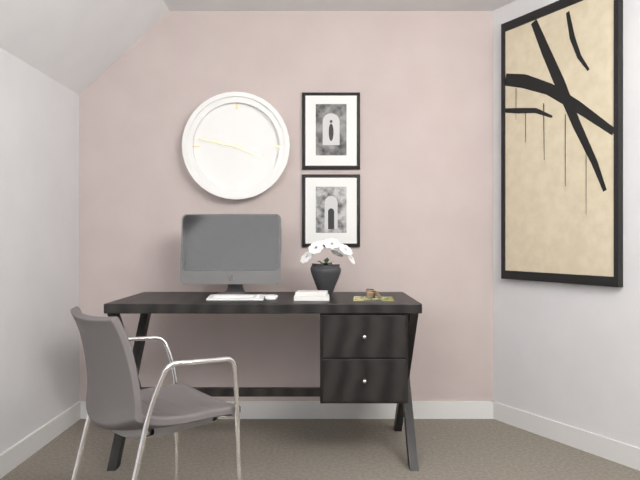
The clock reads **3:47**
